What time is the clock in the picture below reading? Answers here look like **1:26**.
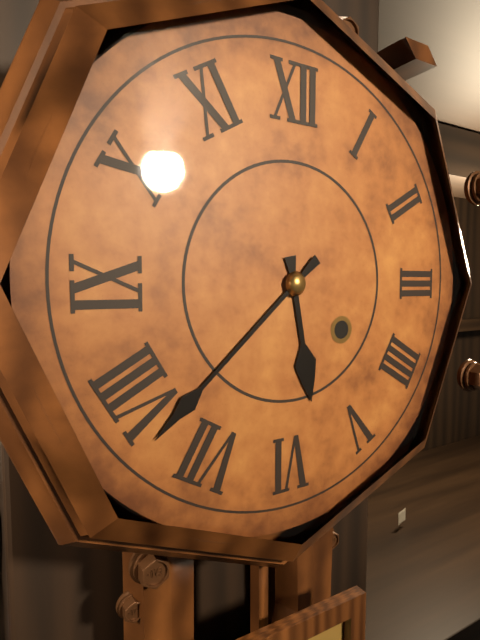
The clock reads **5:38**
